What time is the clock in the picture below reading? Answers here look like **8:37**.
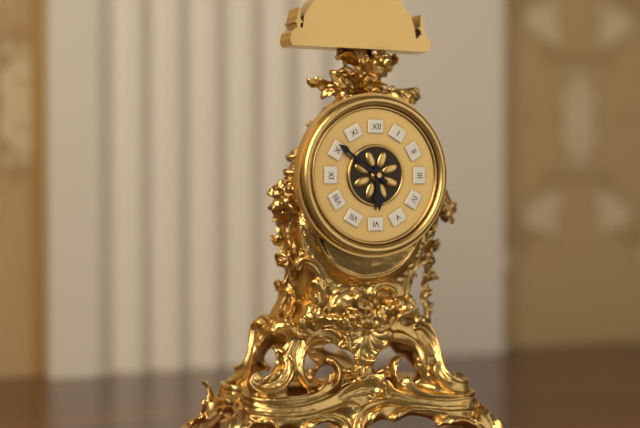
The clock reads **5:51**
